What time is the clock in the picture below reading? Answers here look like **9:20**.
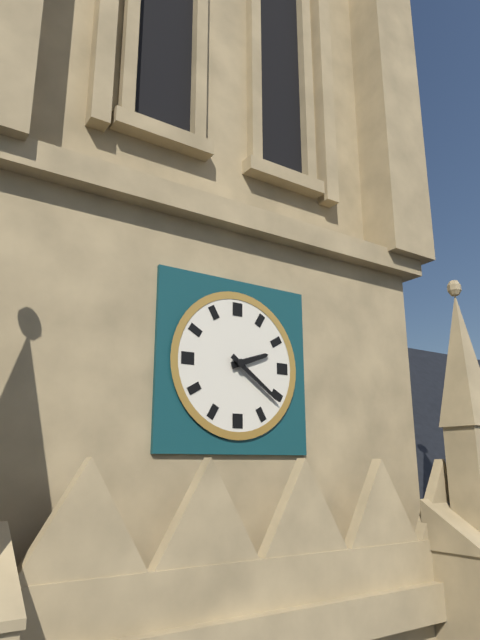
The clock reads **2:21**
